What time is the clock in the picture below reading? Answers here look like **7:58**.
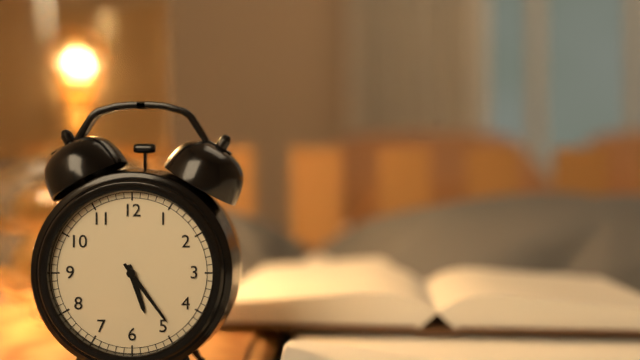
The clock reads **5:24**
